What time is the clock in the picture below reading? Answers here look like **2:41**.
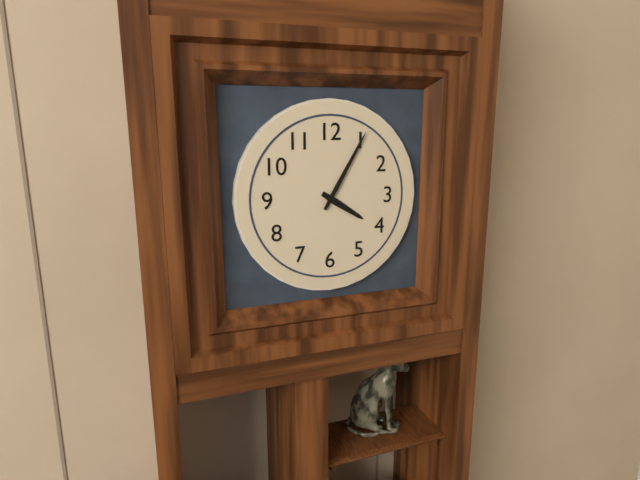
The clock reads **4:05**
